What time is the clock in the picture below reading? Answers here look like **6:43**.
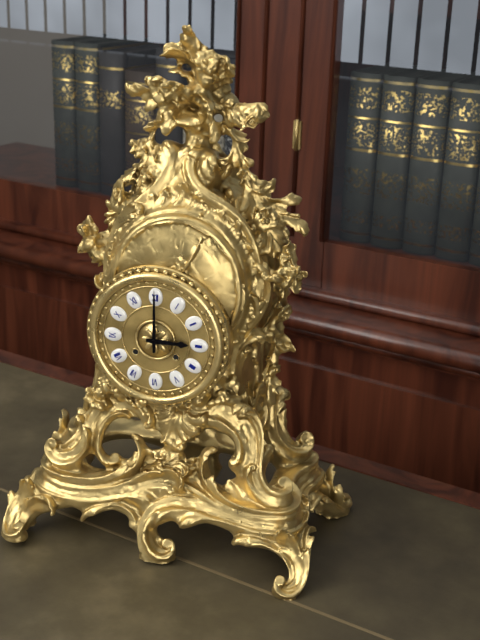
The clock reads **3:00**
